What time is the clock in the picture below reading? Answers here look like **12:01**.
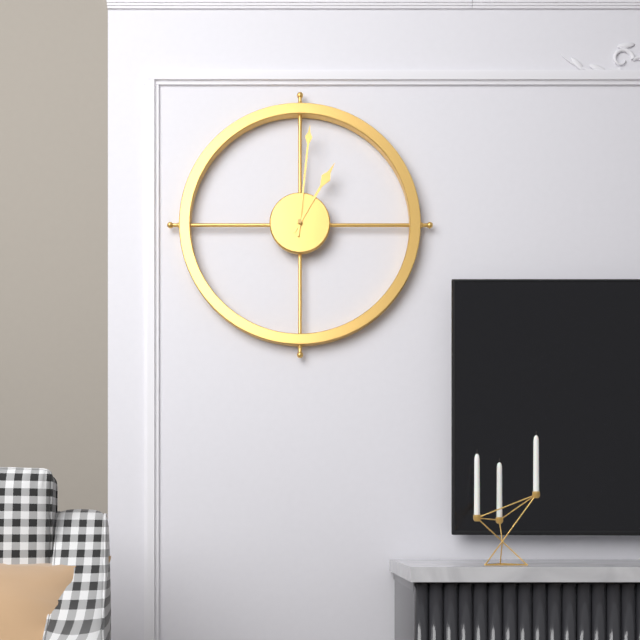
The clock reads **1:01**
